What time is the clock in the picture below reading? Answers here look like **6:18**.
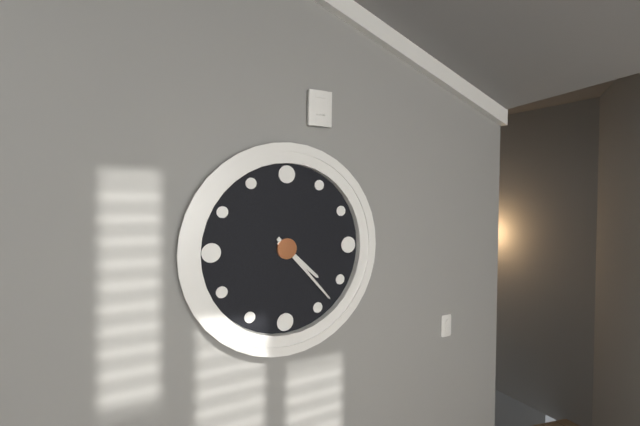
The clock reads **4:23**
